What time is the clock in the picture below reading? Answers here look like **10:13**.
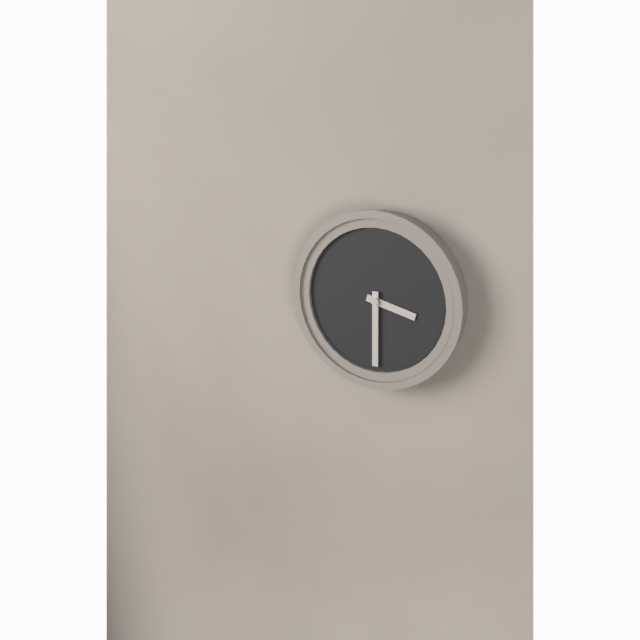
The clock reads **3:30**
